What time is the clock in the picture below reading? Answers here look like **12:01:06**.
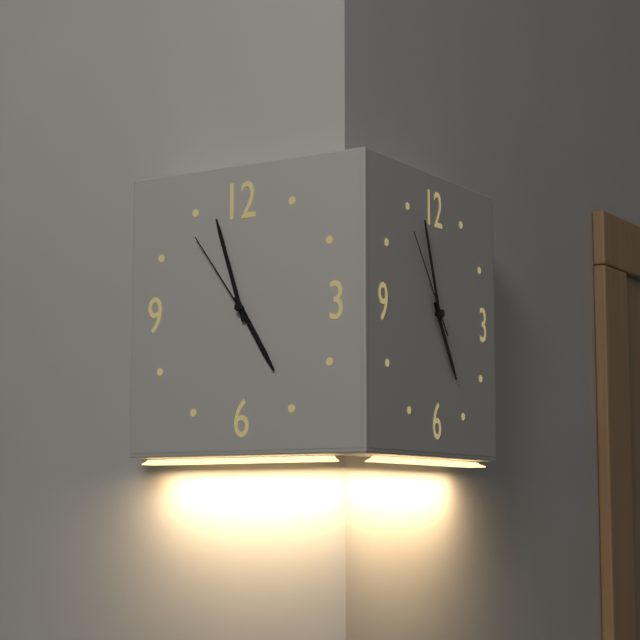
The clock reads **4:57:54**
